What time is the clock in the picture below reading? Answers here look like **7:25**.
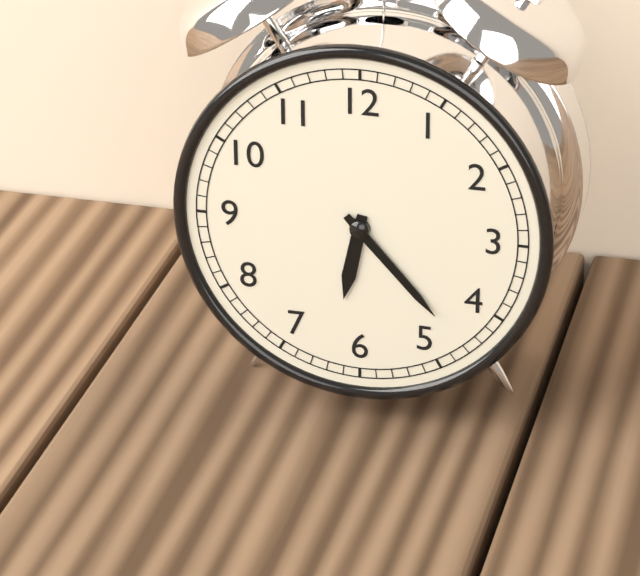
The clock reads **6:23**
